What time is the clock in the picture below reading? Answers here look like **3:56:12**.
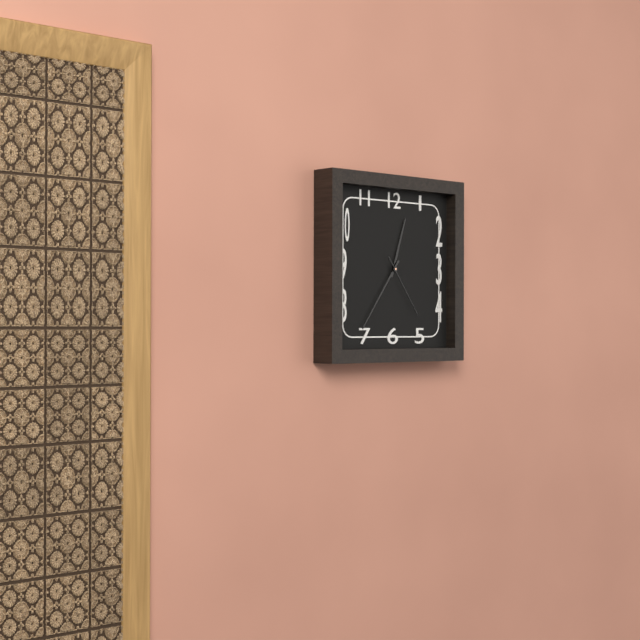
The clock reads **12:36:24**
